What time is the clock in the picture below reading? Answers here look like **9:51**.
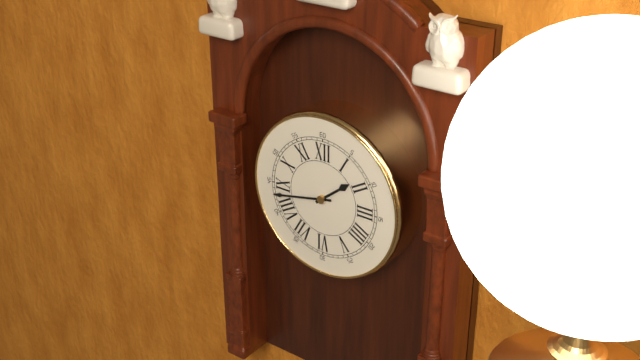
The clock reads **1:43**
